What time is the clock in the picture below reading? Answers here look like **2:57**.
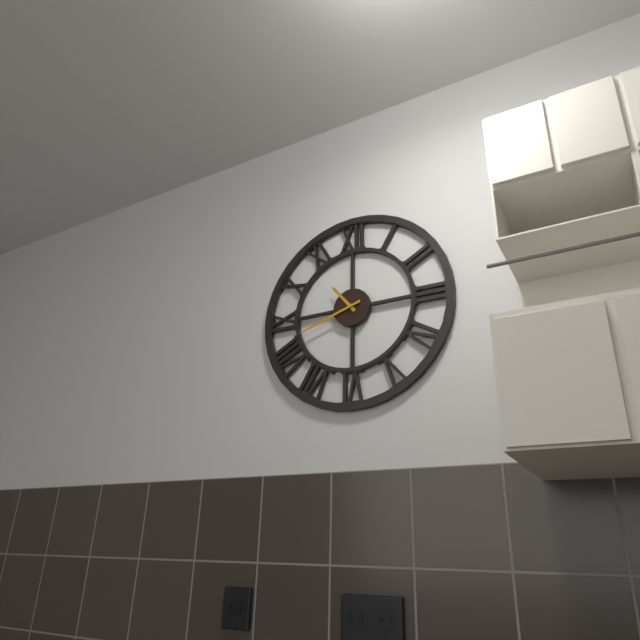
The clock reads **10:42**
